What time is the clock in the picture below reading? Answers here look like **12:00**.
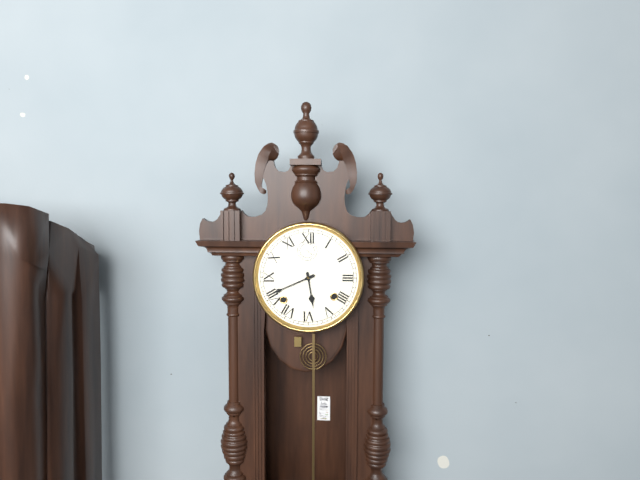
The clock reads **5:41**
